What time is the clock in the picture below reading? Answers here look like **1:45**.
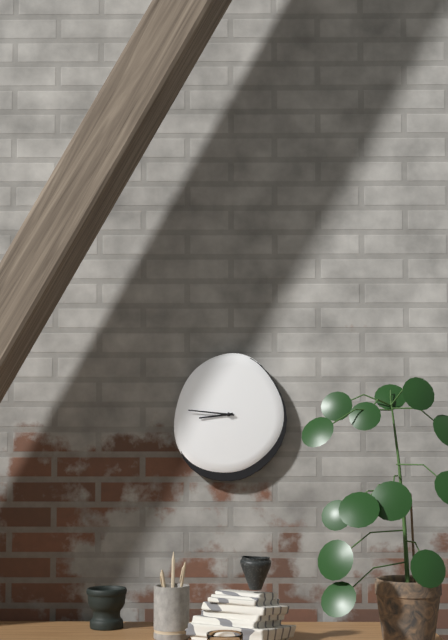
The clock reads **8:46**
